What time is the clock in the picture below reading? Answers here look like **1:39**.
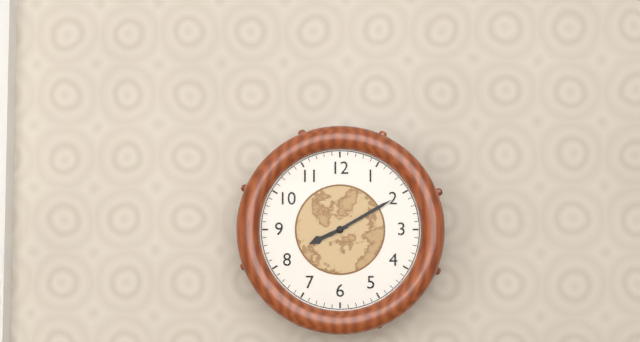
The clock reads **8:10**
